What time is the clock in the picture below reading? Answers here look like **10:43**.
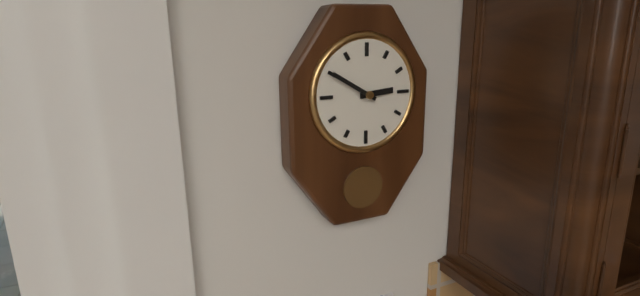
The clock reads **2:50**
